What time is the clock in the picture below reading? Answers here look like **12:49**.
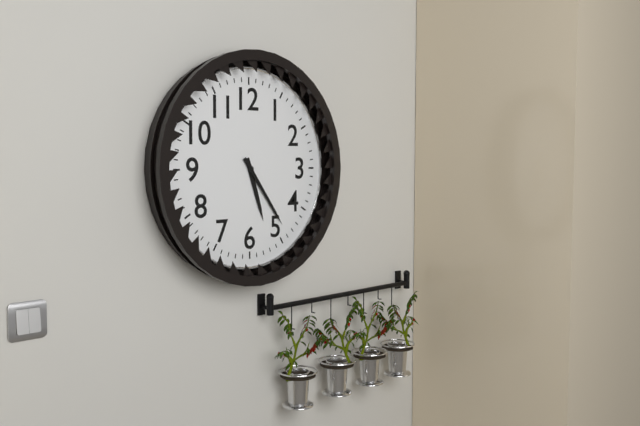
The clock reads **5:24**
